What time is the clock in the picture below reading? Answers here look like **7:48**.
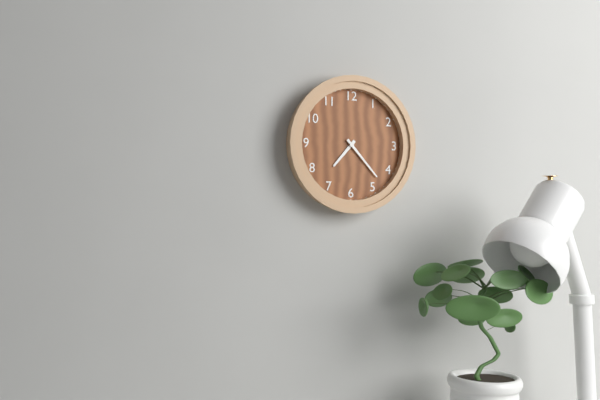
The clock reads **7:23**
